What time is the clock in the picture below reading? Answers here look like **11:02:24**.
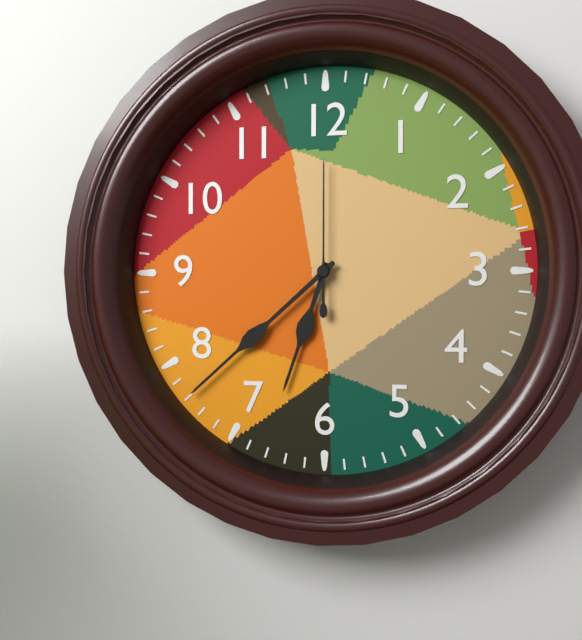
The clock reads **6:38:00**
